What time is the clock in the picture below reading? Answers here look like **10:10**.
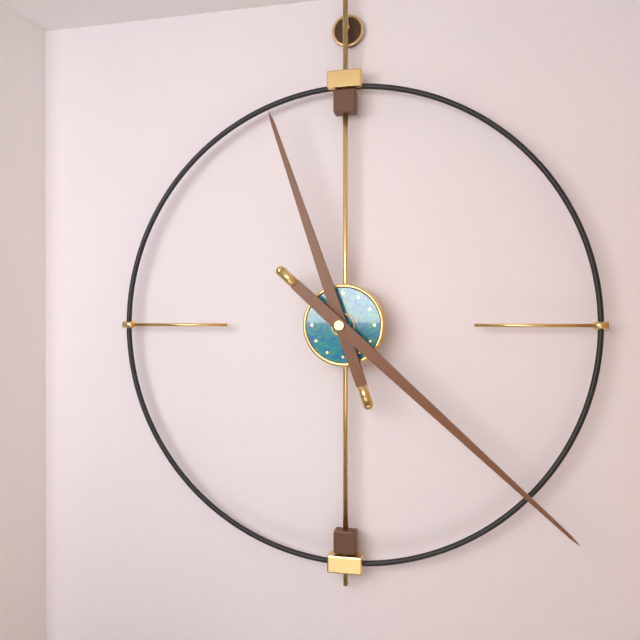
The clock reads **11:22**
